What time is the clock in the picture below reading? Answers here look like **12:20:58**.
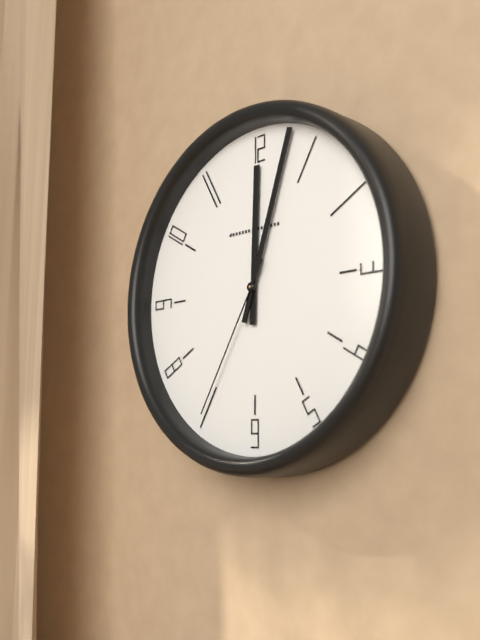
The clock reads **12:03:35**
